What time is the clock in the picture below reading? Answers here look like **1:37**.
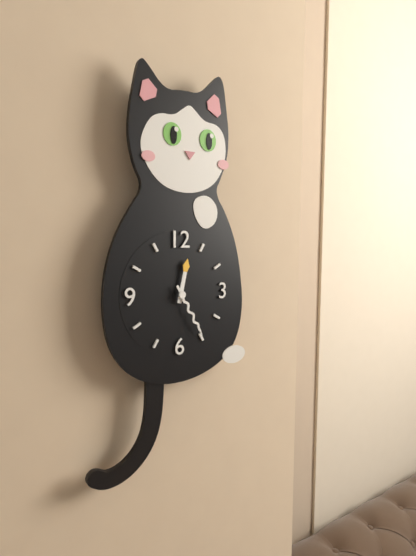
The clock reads **12:25**
